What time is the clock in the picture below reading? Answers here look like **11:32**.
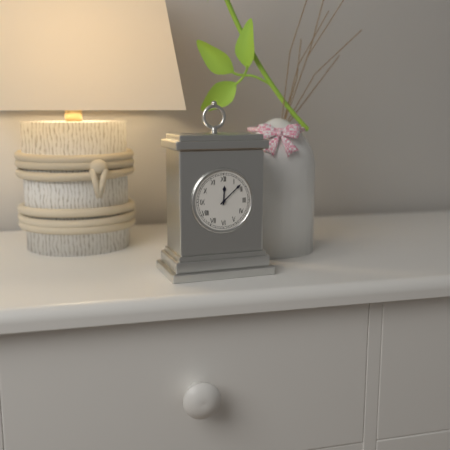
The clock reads **12:08**
